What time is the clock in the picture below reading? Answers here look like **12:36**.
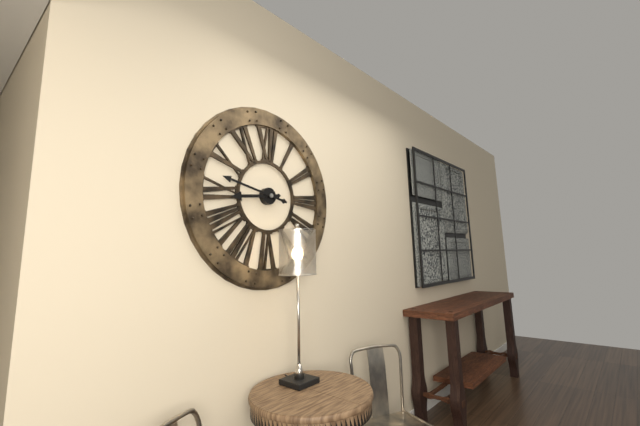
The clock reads **8:47**
